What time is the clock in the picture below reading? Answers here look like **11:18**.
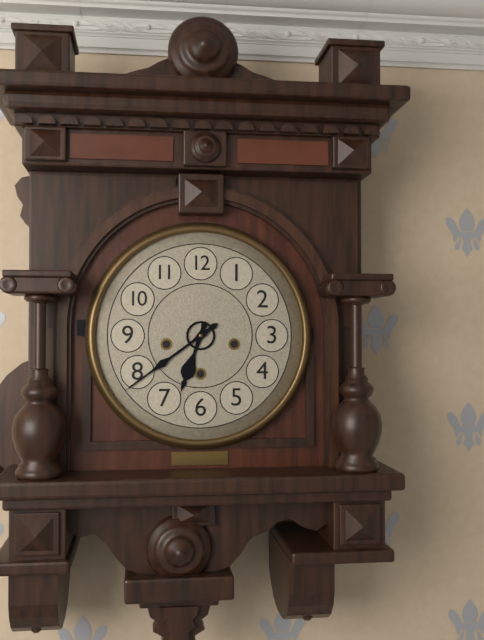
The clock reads **6:39**
